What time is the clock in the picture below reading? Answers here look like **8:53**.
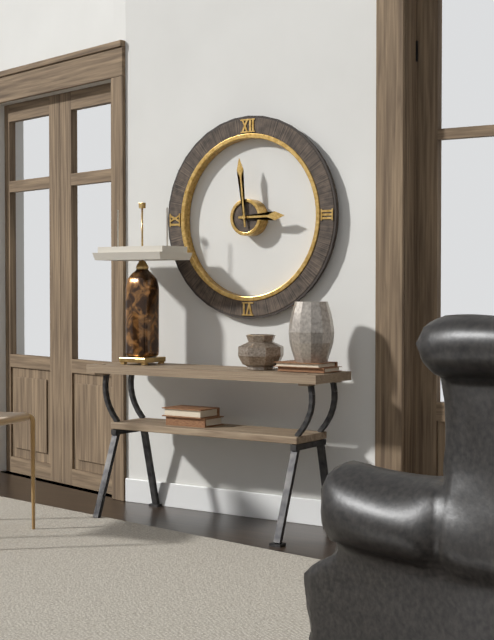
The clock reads **2:59**
